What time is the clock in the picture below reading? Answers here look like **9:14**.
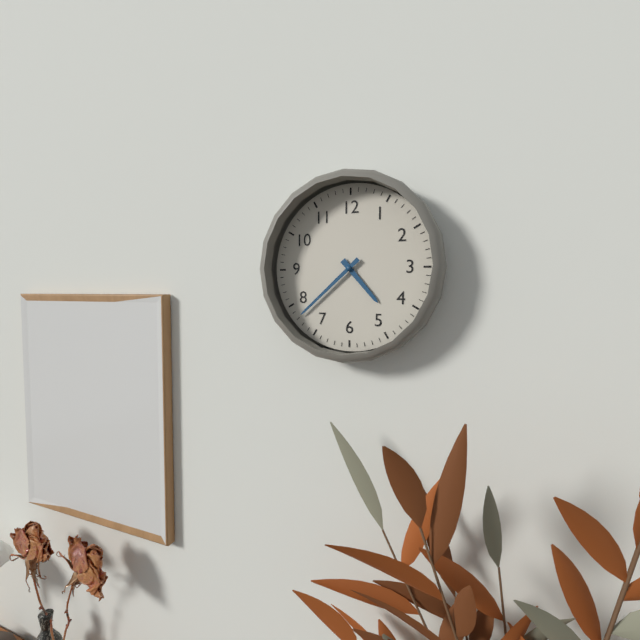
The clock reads **4:38**
